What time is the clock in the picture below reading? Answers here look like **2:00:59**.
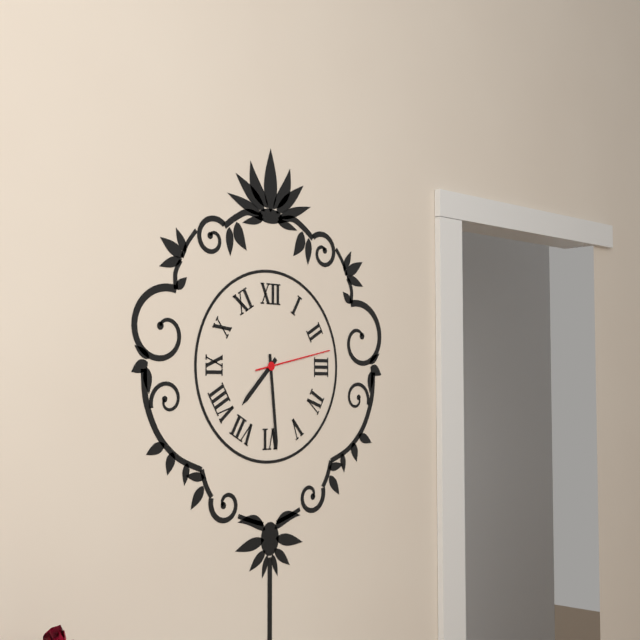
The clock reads **7:29:13**
